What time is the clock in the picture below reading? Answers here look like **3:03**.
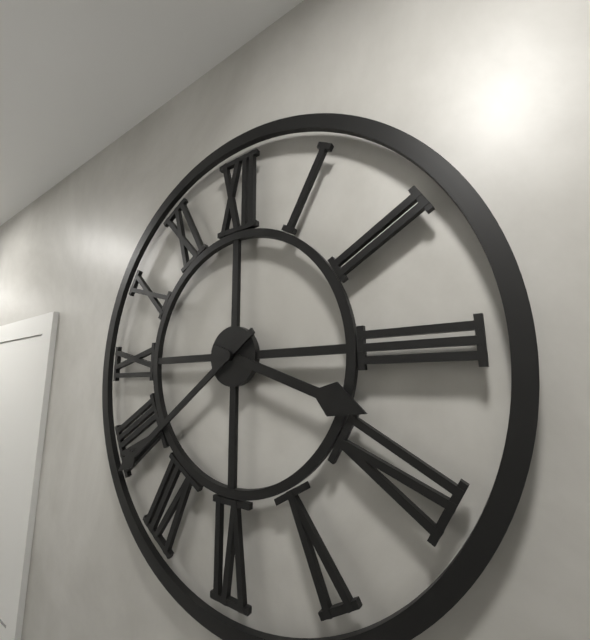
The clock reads **3:39**
